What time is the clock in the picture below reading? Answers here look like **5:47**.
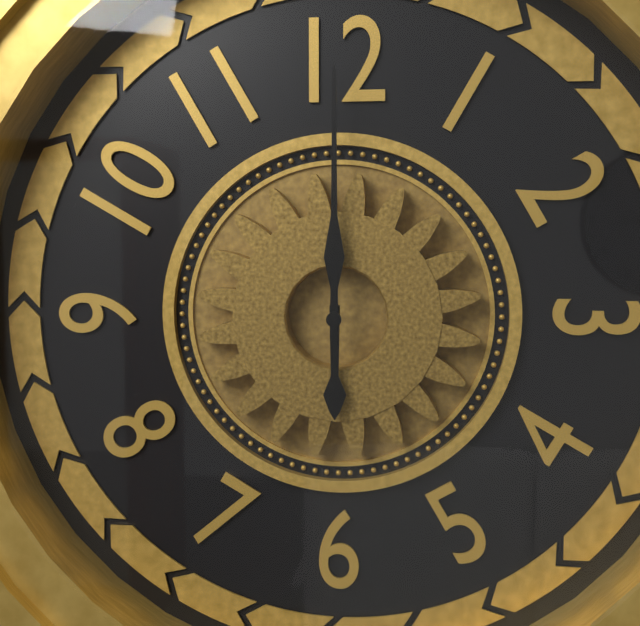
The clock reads **6:00**
